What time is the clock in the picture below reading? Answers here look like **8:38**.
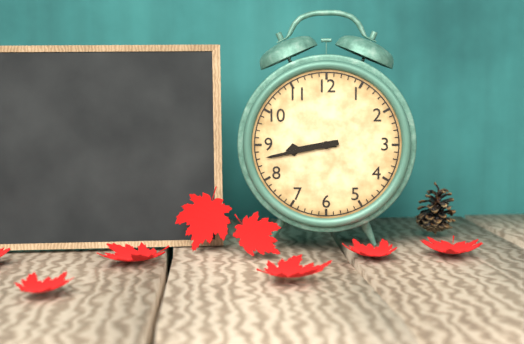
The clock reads **8:43**
